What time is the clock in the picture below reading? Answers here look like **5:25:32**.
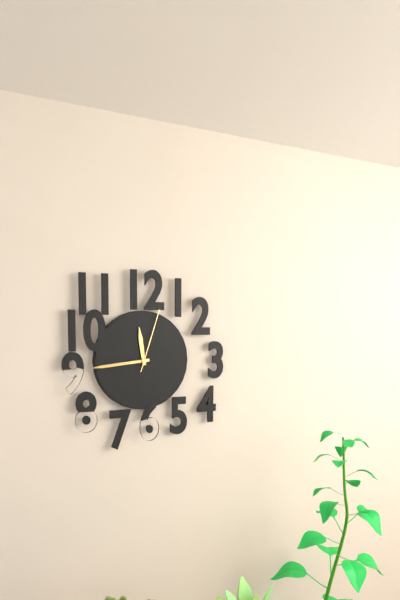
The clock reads **11:44:03**
